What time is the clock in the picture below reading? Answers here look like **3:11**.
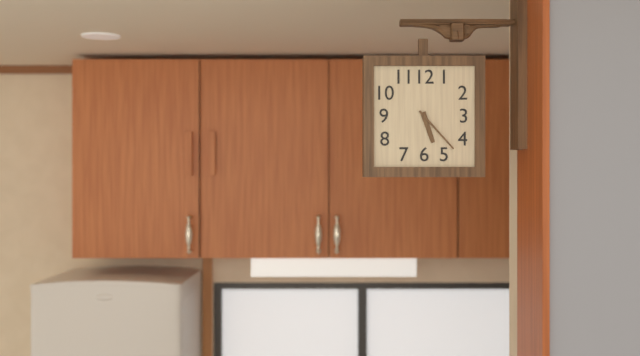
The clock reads **5:23**
